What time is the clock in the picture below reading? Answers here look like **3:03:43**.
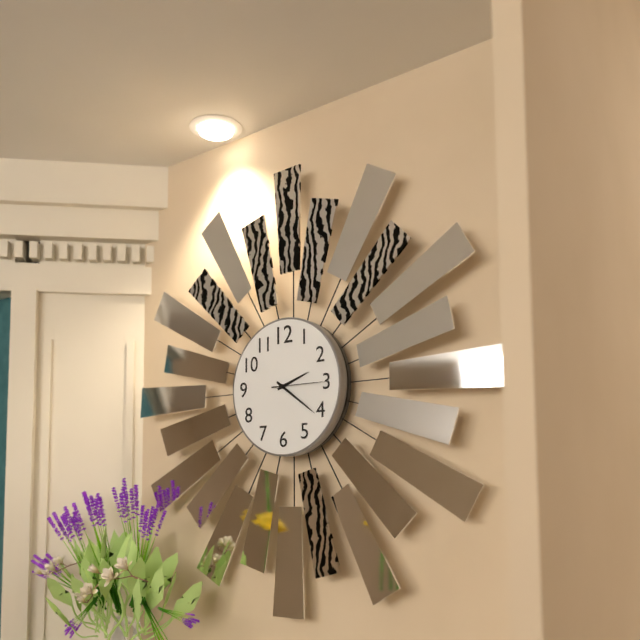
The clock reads **2:21:15**
